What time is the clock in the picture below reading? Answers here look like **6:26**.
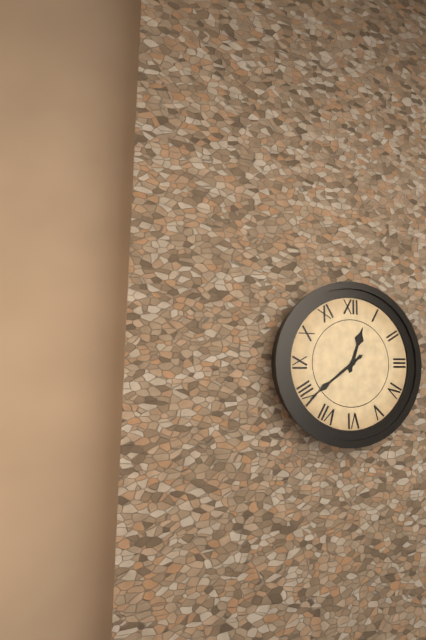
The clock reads **12:39**
